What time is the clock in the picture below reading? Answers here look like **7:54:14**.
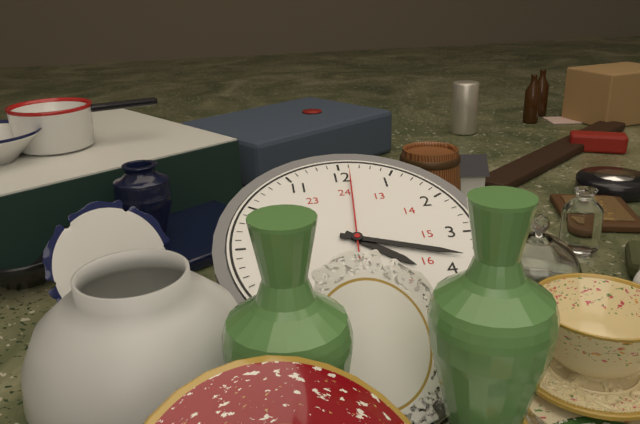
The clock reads **4:18:01**
